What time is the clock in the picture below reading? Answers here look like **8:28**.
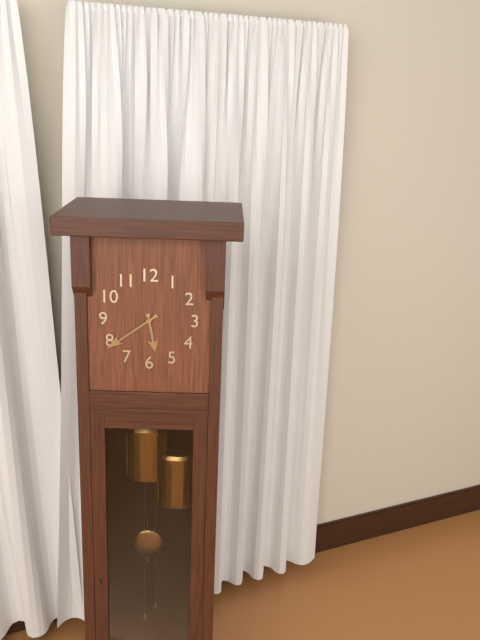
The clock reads **5:39**
